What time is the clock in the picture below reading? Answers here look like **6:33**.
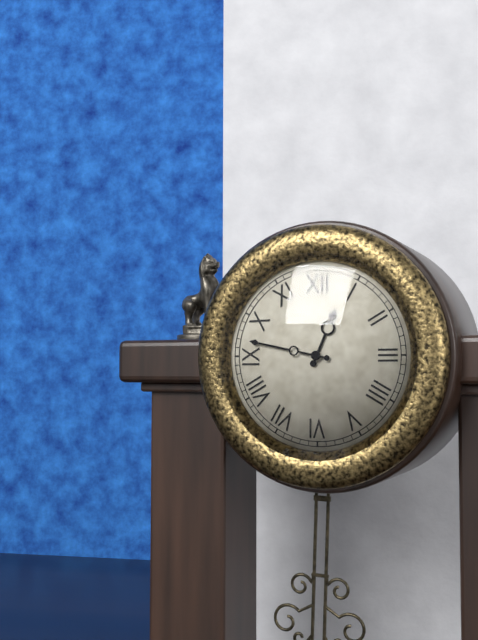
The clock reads **12:47**
